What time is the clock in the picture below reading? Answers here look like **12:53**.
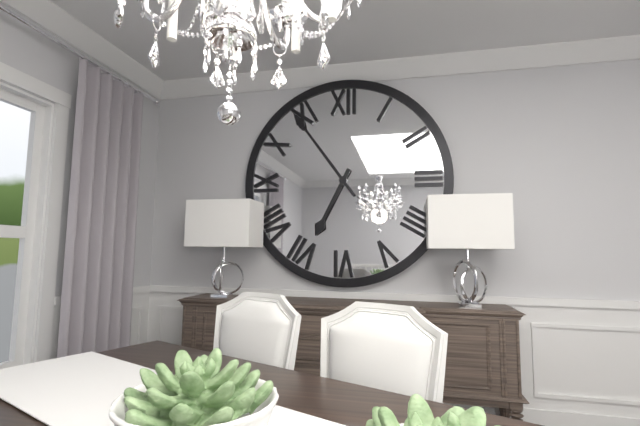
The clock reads **6:54**
